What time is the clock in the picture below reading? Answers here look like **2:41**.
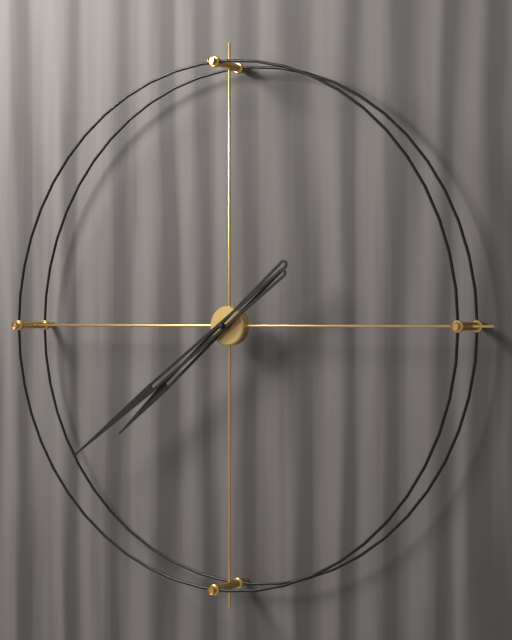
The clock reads **7:39**
